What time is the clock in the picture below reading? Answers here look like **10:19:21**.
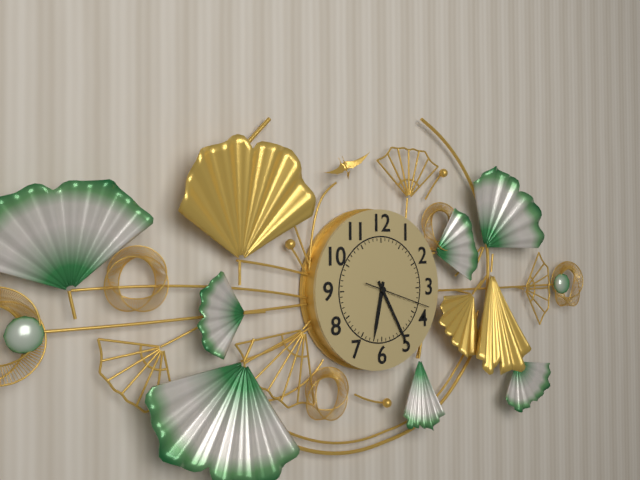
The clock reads **6:25:18**
